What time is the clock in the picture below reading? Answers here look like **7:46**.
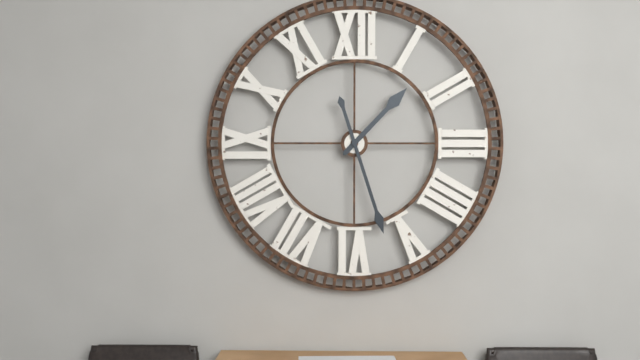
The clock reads **1:27**
